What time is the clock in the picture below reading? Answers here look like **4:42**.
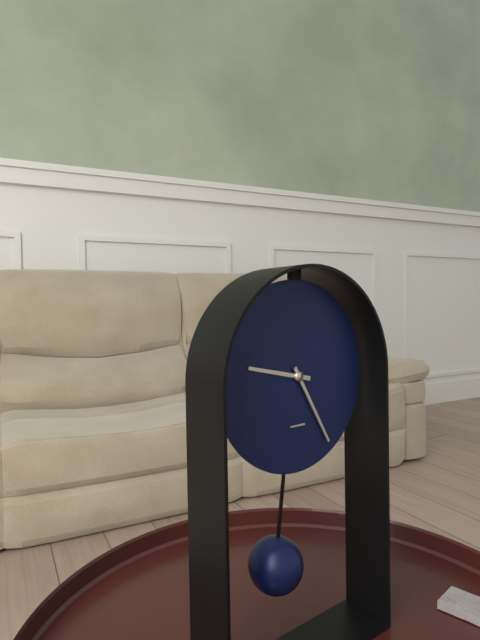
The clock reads **9:25**
